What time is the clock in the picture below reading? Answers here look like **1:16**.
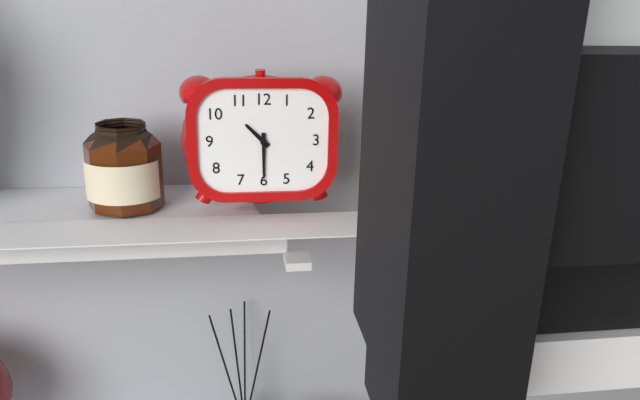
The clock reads **10:30**
